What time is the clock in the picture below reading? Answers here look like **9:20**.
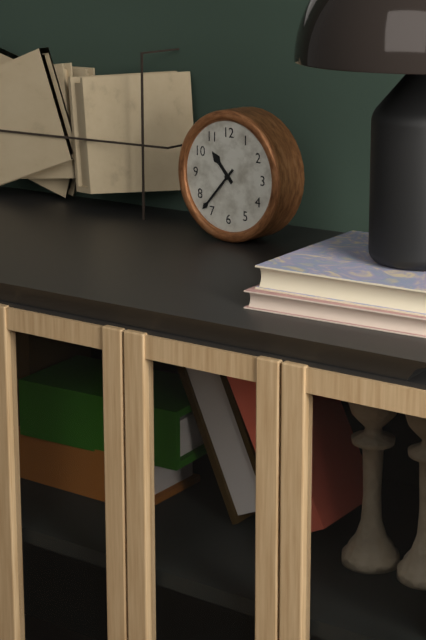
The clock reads **10:37**
